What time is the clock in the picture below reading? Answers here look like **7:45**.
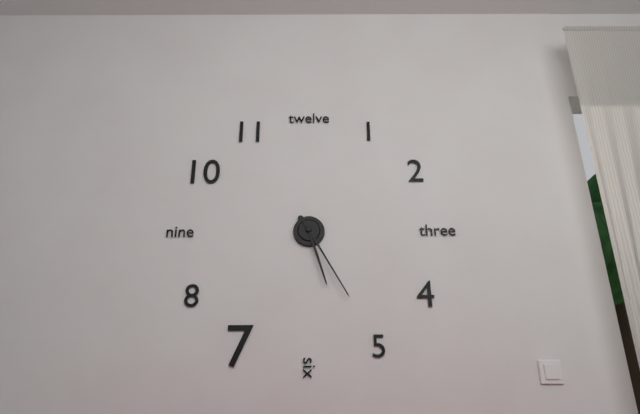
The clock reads **5:25**
